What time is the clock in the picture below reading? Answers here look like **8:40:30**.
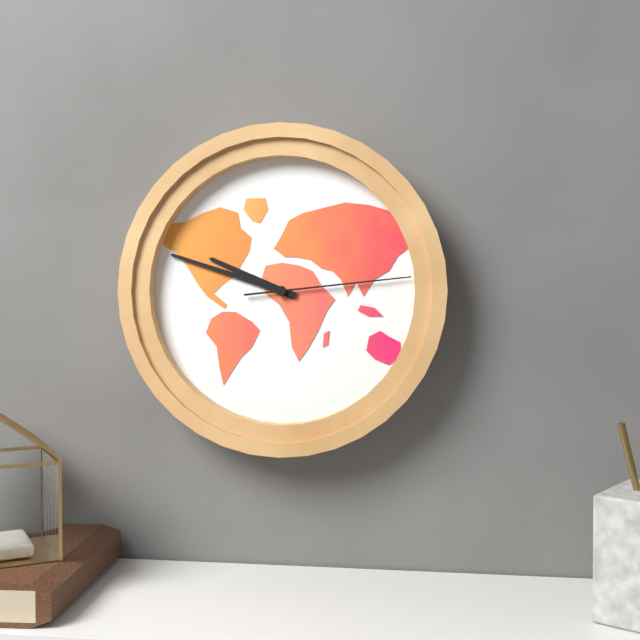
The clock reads **9:48:14**
